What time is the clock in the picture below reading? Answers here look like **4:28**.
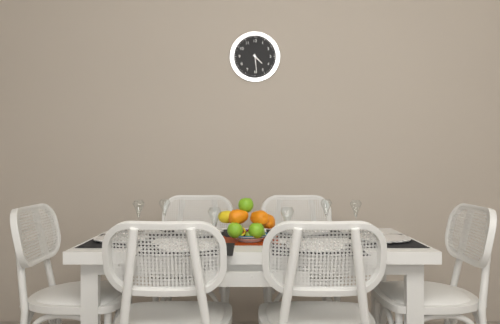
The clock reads **4:29**
